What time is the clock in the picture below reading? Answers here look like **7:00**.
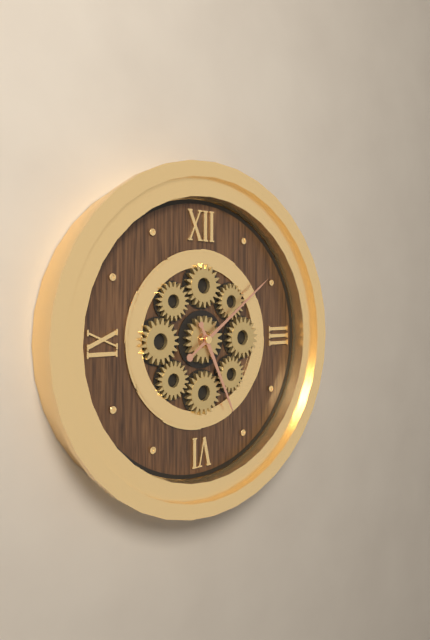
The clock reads **5:09**
